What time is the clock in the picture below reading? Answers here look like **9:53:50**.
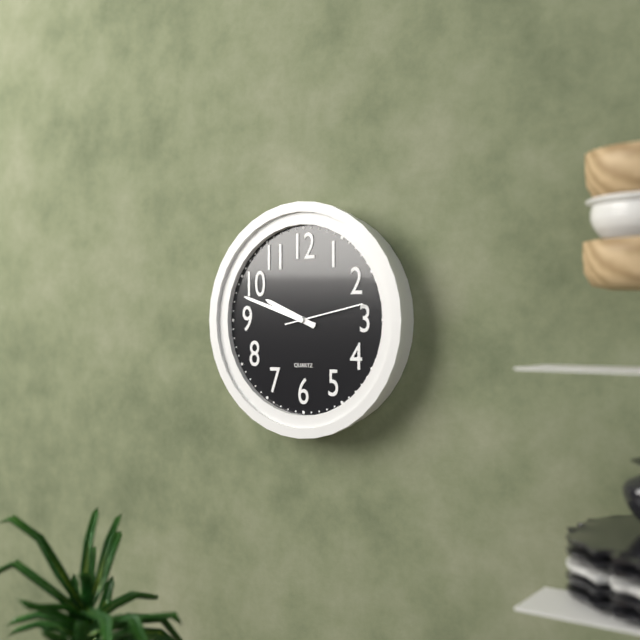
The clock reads **9:48:13**
